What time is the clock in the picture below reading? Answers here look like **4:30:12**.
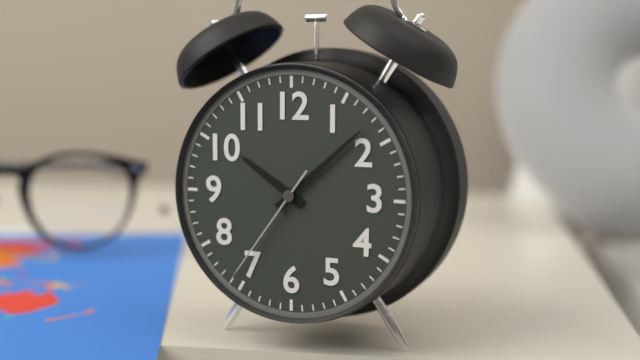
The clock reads **10:08:36**
